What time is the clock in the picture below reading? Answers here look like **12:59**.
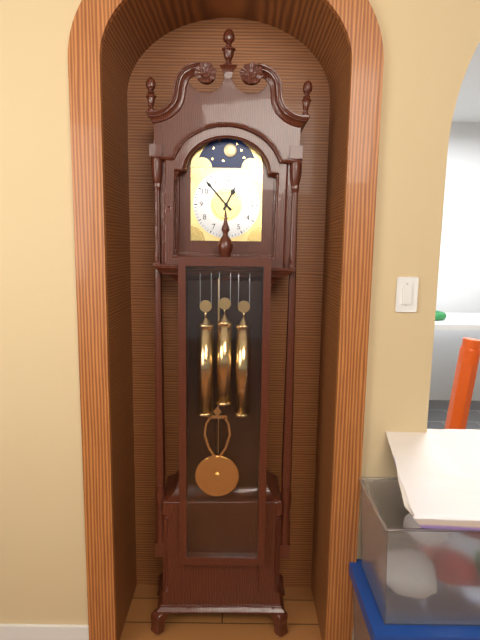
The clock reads **12:53**
